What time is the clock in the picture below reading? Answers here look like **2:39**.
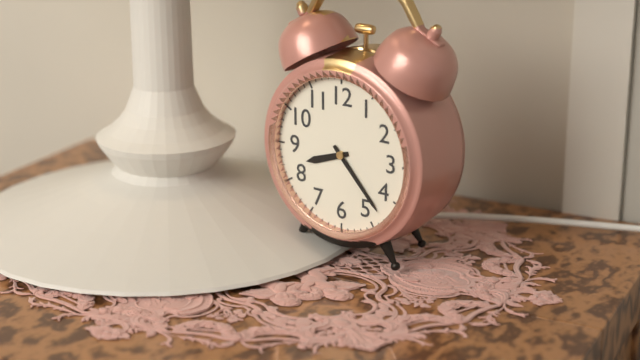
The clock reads **8:23**
